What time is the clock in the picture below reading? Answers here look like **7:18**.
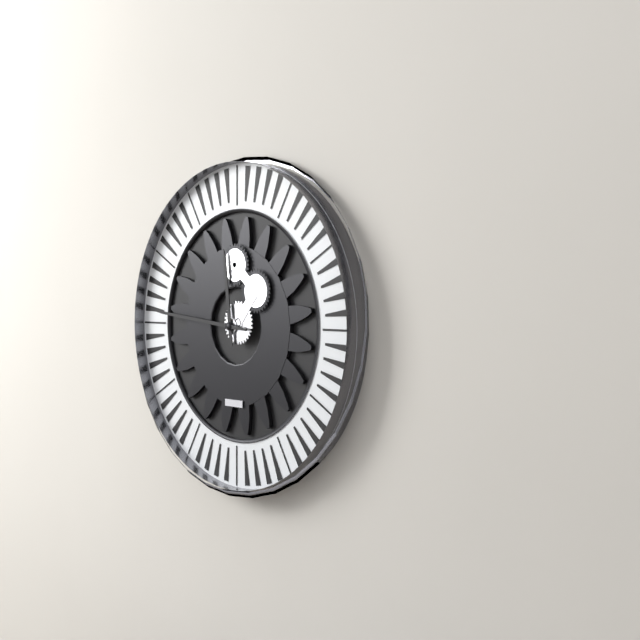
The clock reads **11:46**
